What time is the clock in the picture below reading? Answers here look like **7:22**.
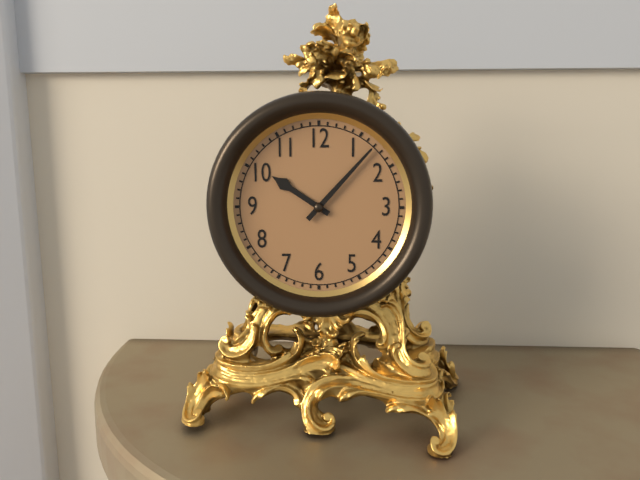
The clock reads **10:07**
